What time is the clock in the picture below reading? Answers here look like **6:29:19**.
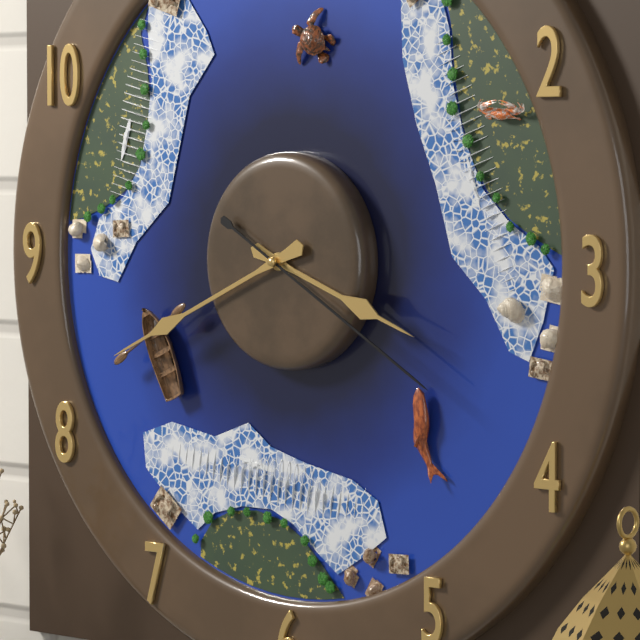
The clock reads **3:41:20**
